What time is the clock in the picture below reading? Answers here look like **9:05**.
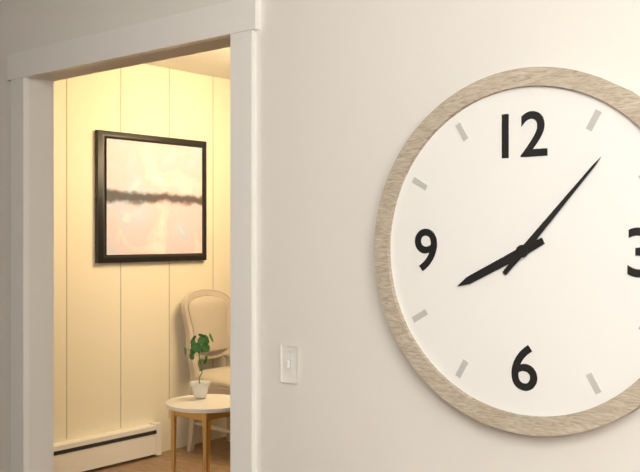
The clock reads **8:07**
